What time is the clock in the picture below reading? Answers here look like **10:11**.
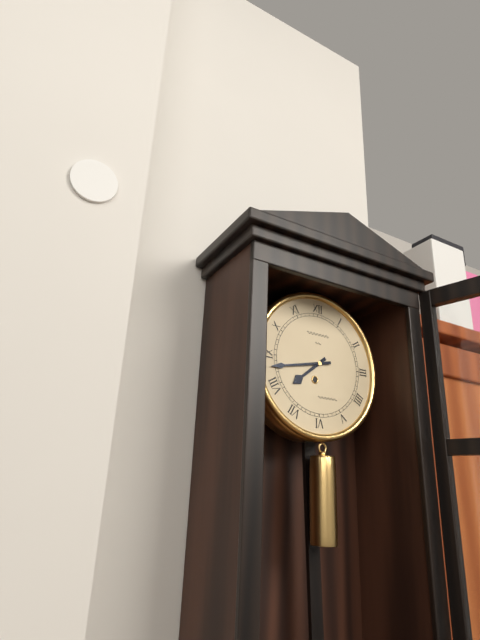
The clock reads **7:43**
